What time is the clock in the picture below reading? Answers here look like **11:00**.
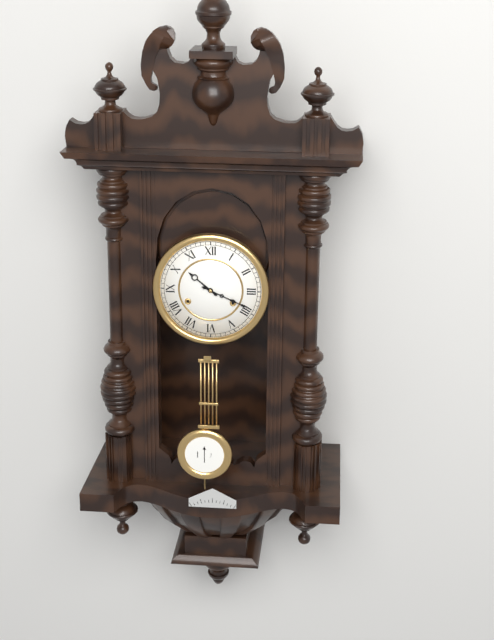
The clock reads **10:19**
